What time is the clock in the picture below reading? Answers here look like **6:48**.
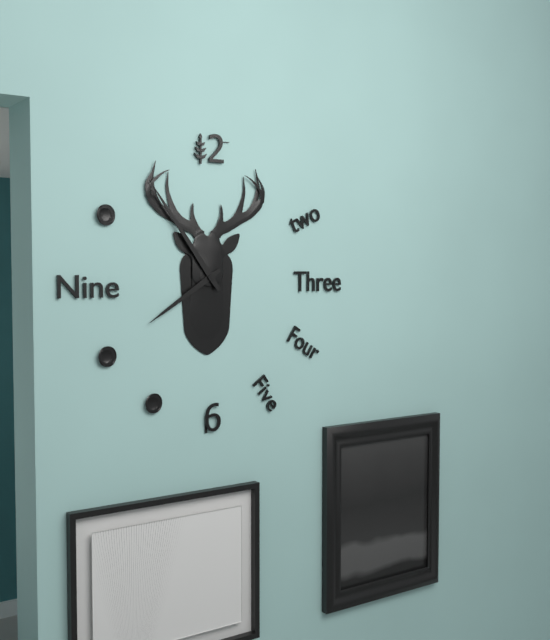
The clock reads **7:54**
